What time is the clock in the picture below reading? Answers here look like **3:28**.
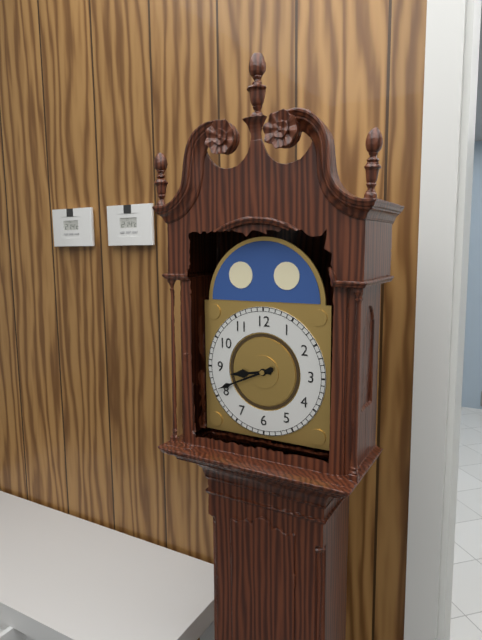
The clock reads **8:41**
